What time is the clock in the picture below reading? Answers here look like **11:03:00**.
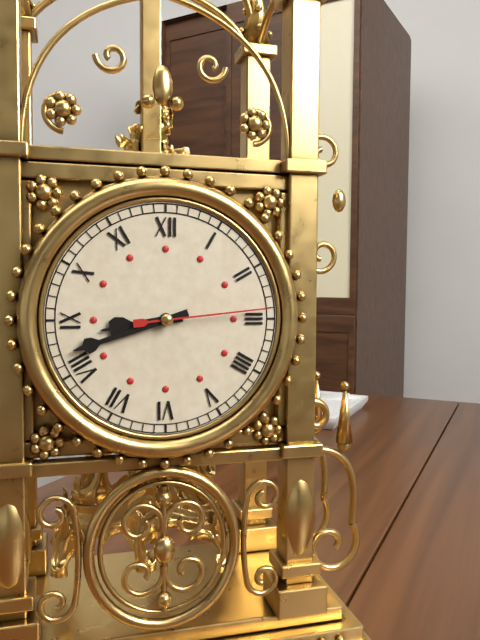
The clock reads **8:42:14**
